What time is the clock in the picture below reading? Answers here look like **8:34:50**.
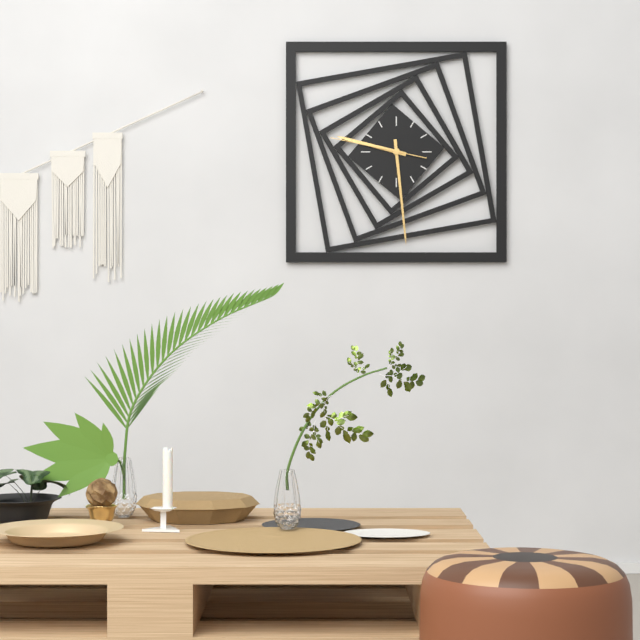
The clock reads **9:29:47**
